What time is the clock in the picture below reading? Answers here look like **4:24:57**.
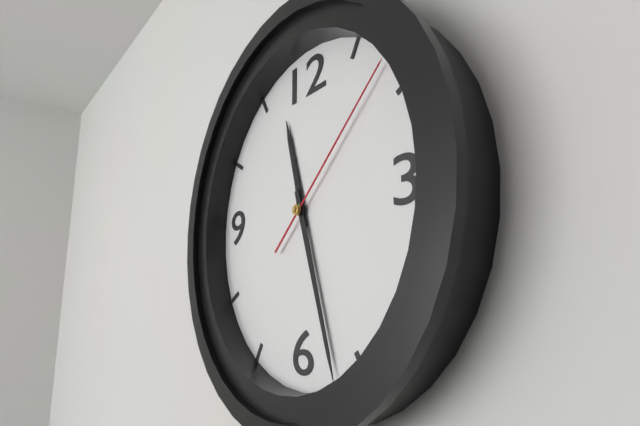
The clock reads **11:27:08**
